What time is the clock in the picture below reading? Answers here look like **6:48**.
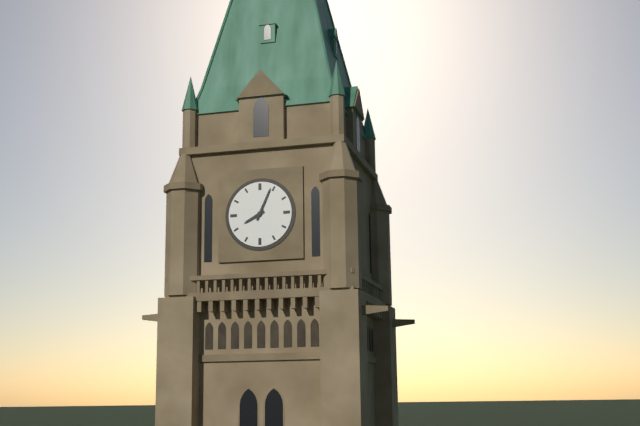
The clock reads **8:04**
